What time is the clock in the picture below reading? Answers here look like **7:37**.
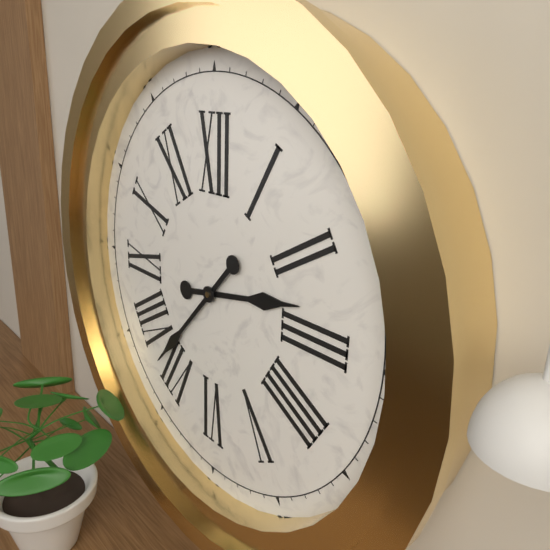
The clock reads **2:37**
